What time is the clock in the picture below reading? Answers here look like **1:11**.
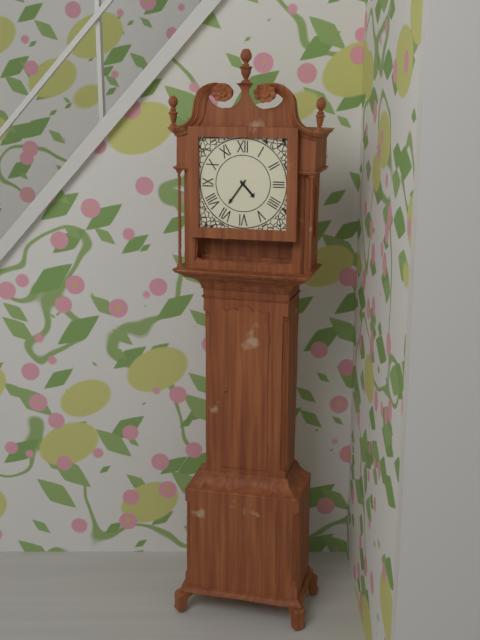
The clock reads **4:36**
